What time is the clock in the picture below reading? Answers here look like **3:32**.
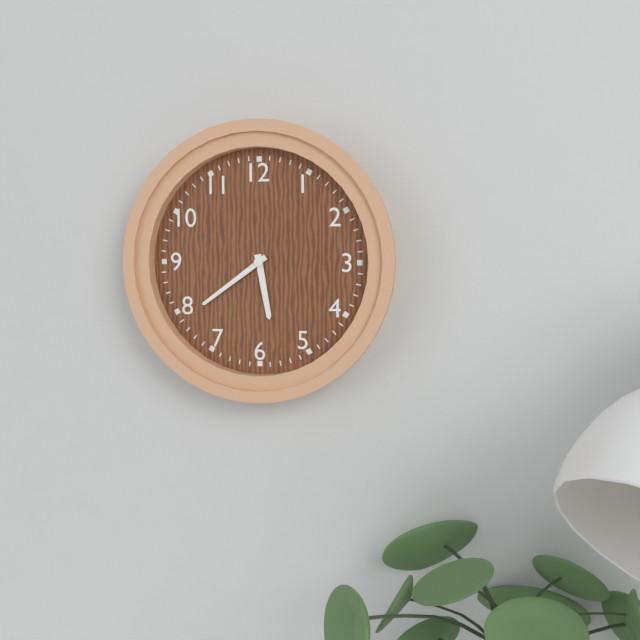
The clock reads **5:39**
